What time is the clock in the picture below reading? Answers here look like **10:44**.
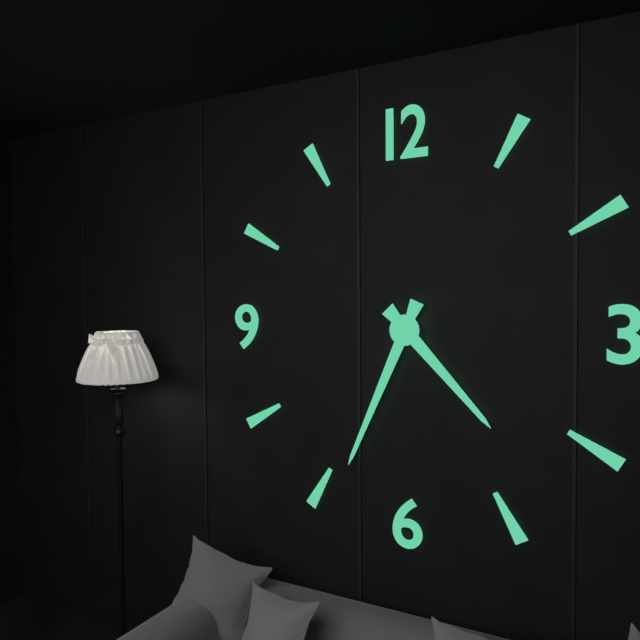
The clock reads **4:34**
